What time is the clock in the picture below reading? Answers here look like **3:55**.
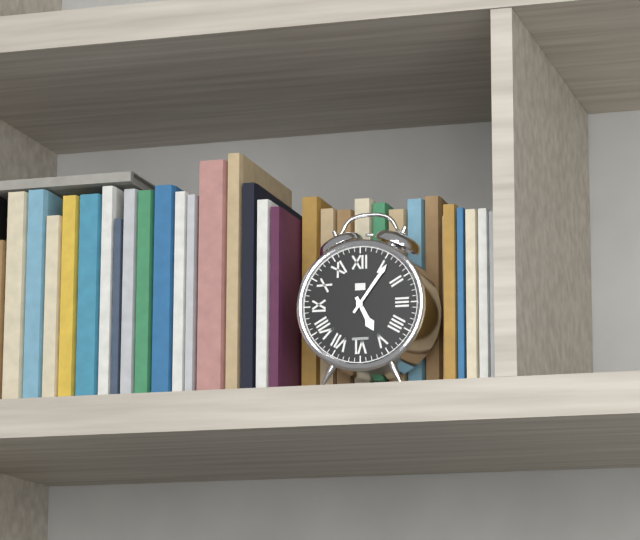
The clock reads **5:06**
